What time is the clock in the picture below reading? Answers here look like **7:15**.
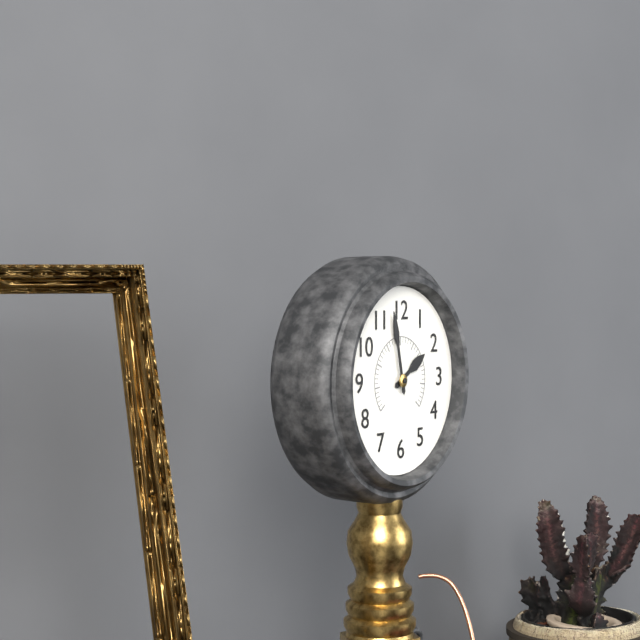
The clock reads **1:58**
